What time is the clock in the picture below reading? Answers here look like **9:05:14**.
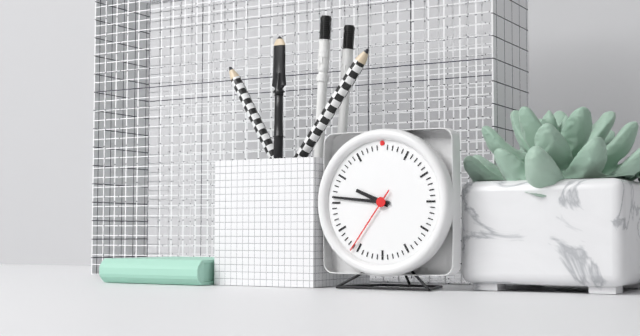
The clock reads **9:46:36**
